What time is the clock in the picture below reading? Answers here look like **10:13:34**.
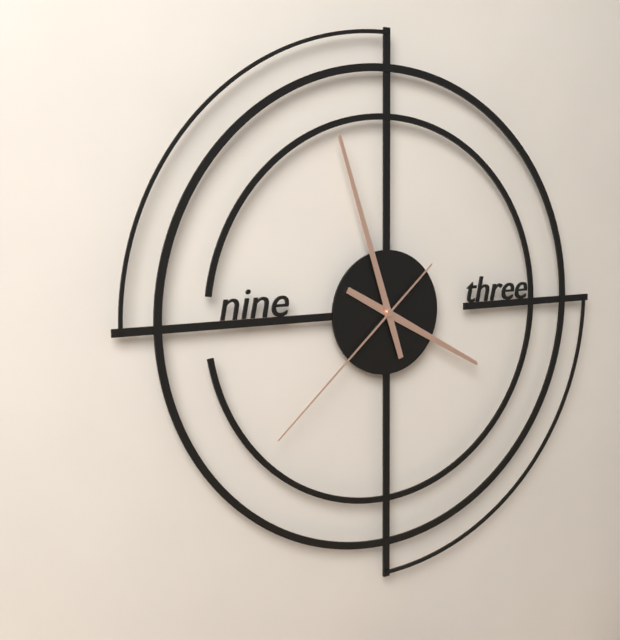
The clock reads **3:57:38**
